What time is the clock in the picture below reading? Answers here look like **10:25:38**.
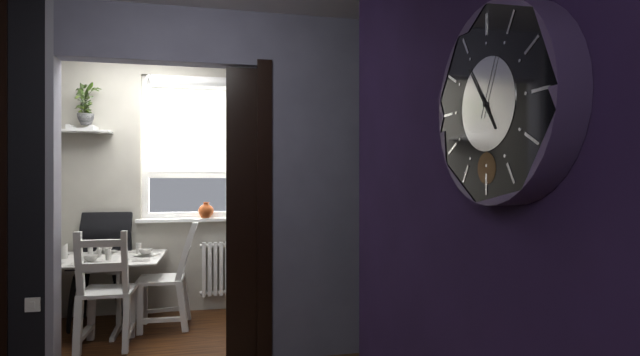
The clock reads **4:54:04**
